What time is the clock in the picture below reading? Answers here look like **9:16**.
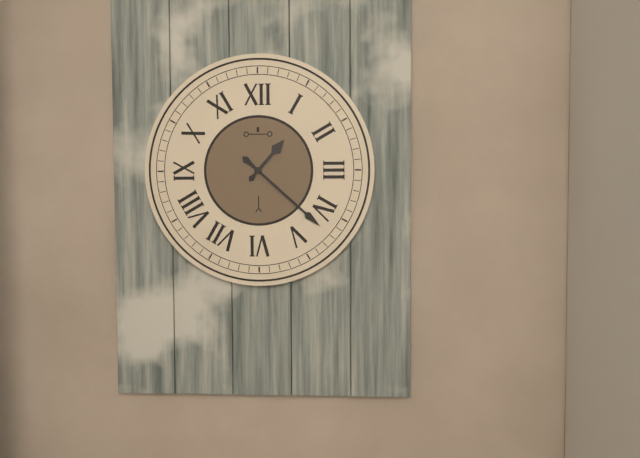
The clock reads **1:22**
